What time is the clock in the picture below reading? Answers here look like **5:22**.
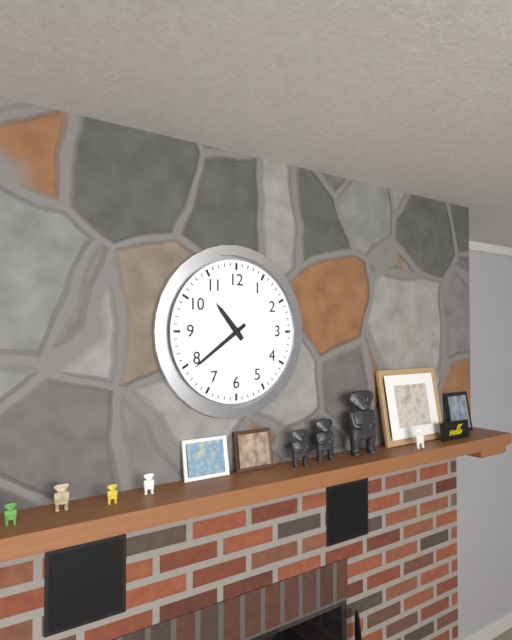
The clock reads **10:39**
